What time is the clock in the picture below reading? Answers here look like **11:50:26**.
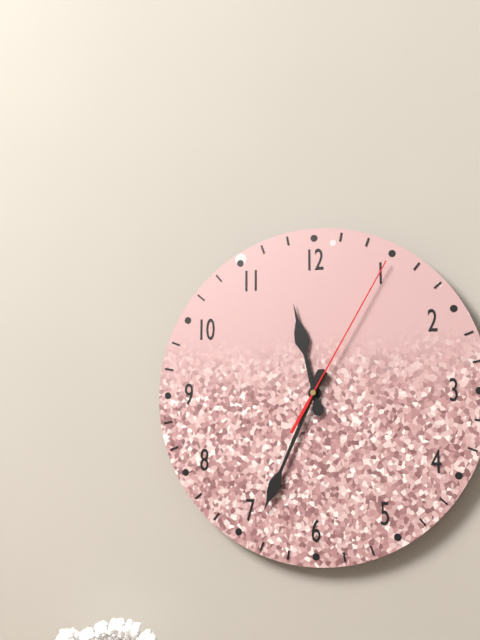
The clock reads **11:34:05**
